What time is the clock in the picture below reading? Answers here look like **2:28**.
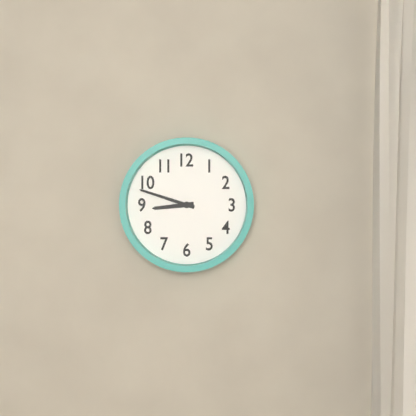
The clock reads **8:48**
